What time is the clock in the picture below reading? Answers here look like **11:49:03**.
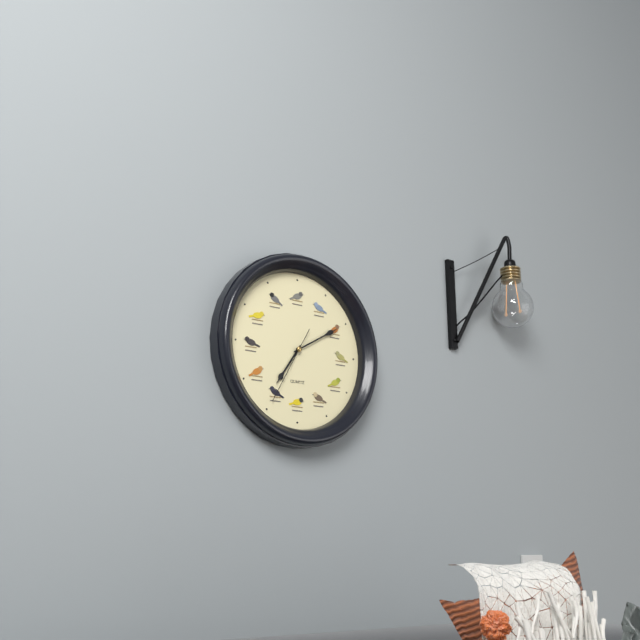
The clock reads **7:10:35**
